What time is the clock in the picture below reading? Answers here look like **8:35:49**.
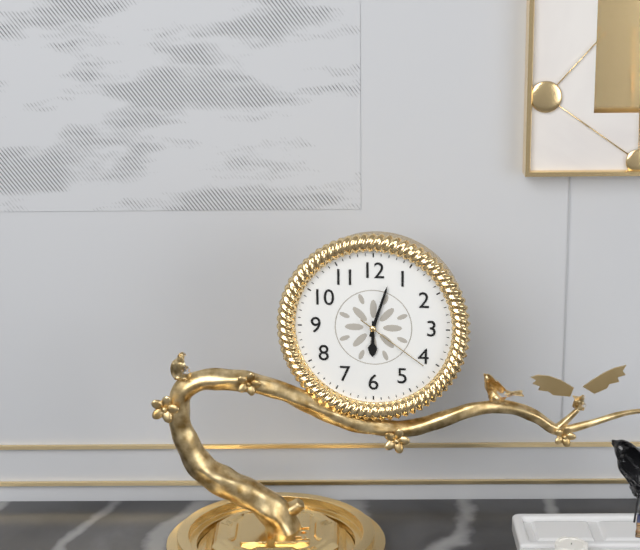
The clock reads **6:03:21**
